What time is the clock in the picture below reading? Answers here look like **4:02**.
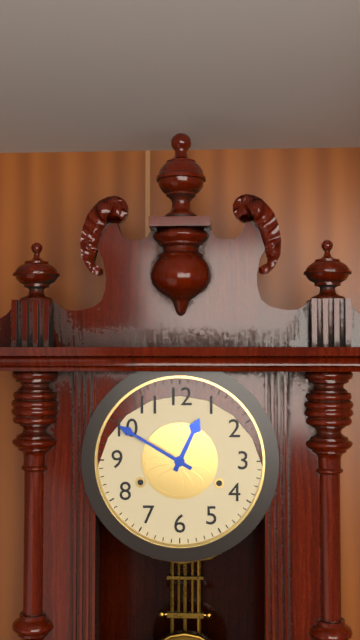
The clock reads **12:50**
